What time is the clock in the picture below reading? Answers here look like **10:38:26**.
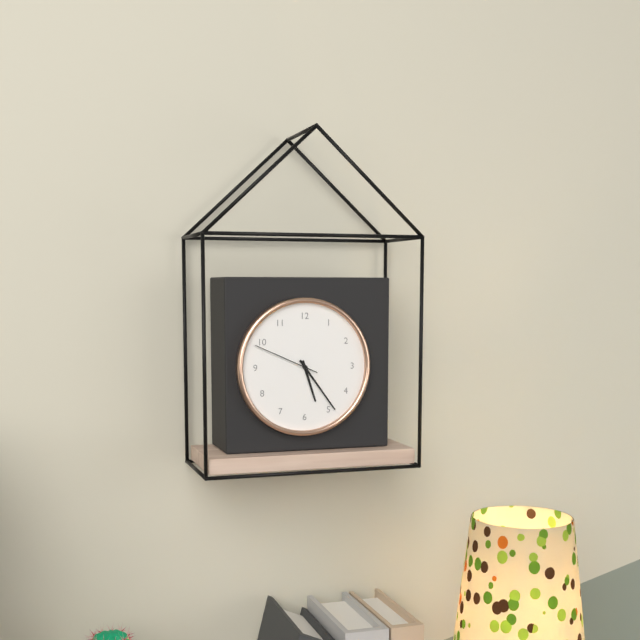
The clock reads **5:24:49**
